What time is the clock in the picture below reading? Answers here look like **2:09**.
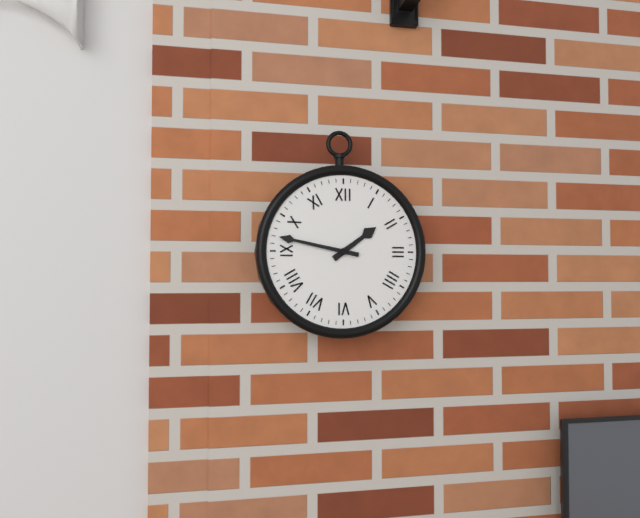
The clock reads **1:47**
